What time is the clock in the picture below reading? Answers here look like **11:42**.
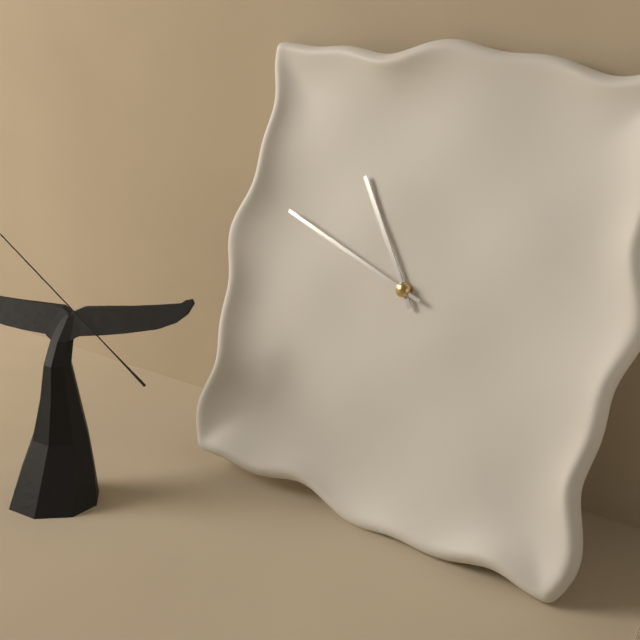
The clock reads **10:48**
